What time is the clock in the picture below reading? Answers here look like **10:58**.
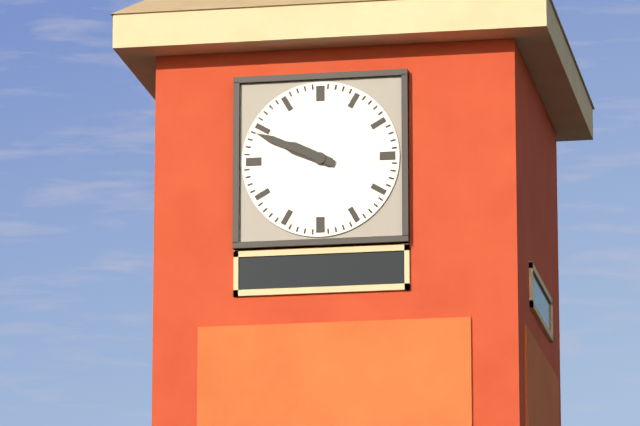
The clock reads **9:49**
